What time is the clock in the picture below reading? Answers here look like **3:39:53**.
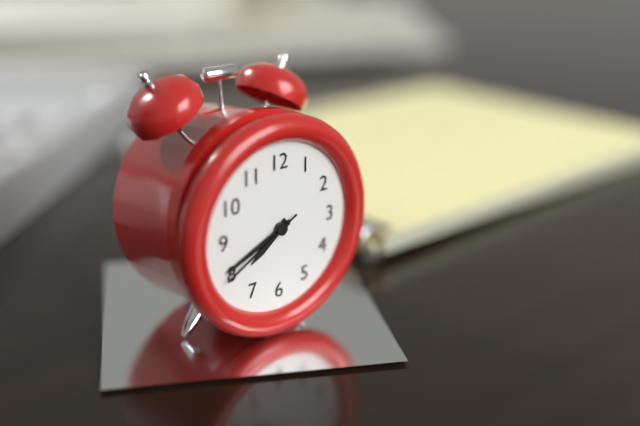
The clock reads **7:41:40**
